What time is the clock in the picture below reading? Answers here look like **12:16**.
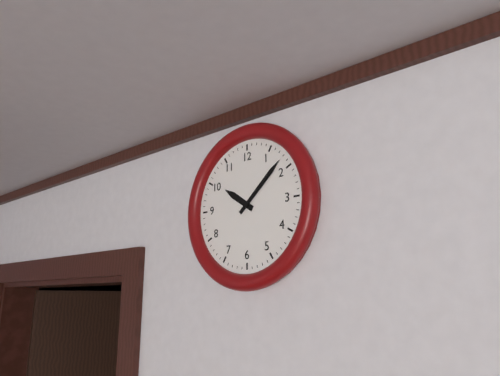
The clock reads **10:08**
